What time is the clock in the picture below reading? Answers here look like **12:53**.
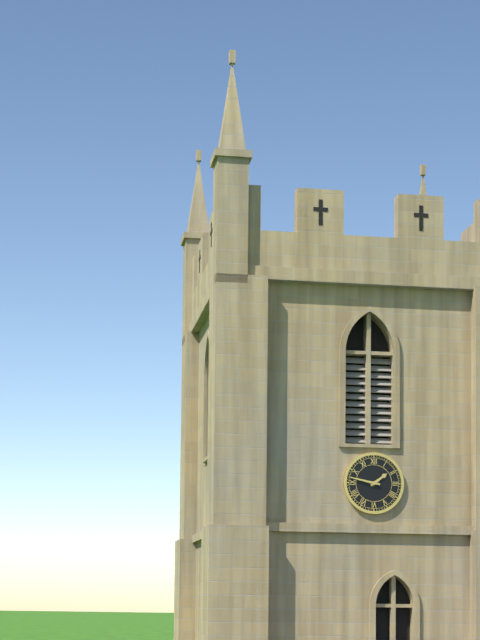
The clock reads **1:47**
